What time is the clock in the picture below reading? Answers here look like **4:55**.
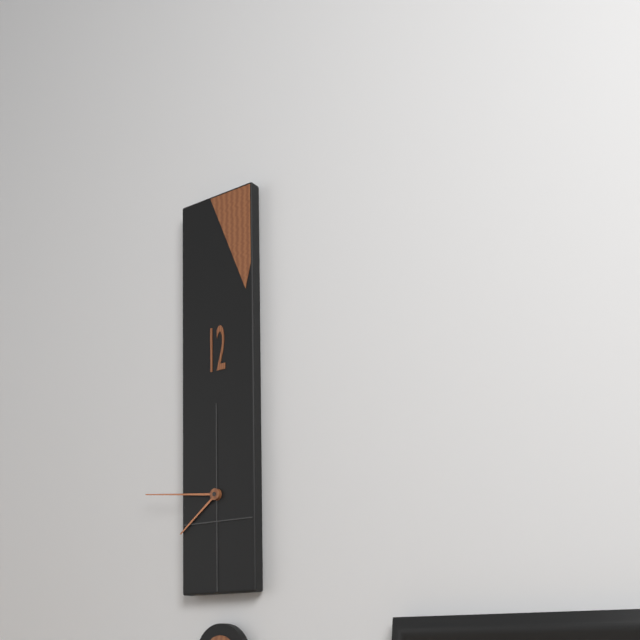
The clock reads **7:46**
